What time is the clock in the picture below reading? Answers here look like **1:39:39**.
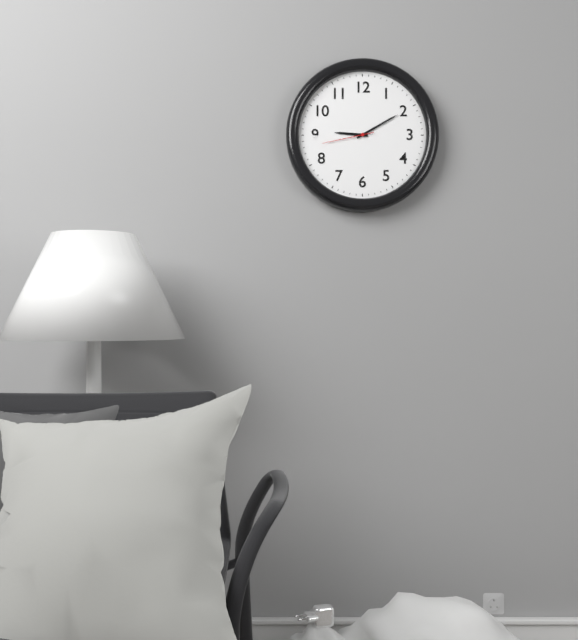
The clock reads **9:10:43**
